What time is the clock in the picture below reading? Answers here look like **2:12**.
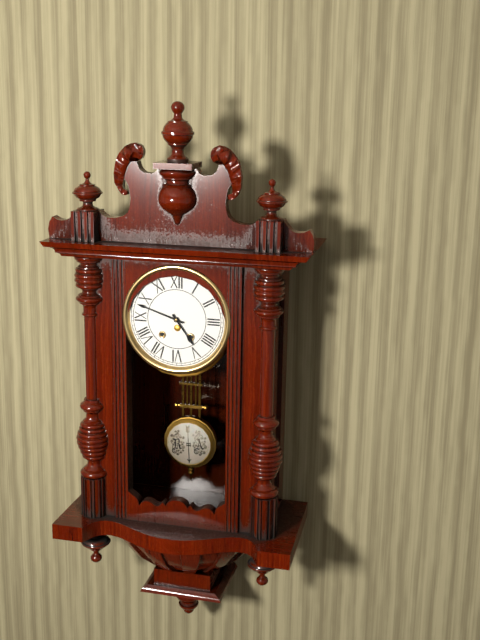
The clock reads **4:48**
